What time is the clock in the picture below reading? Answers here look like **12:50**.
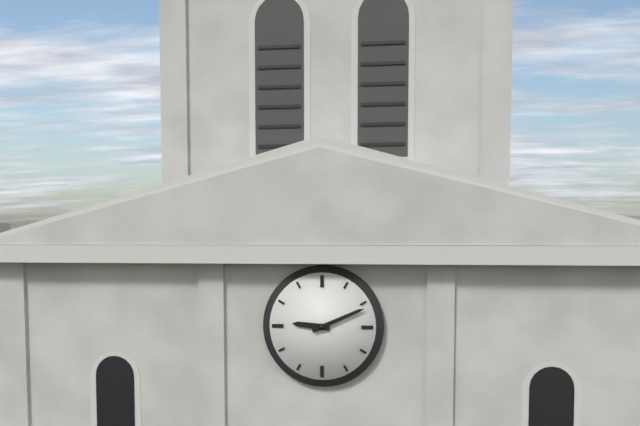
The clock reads **9:11**
